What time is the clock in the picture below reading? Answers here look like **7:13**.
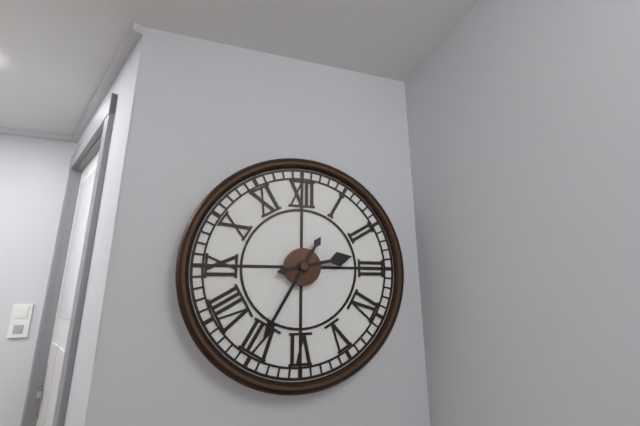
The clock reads **2:35**
